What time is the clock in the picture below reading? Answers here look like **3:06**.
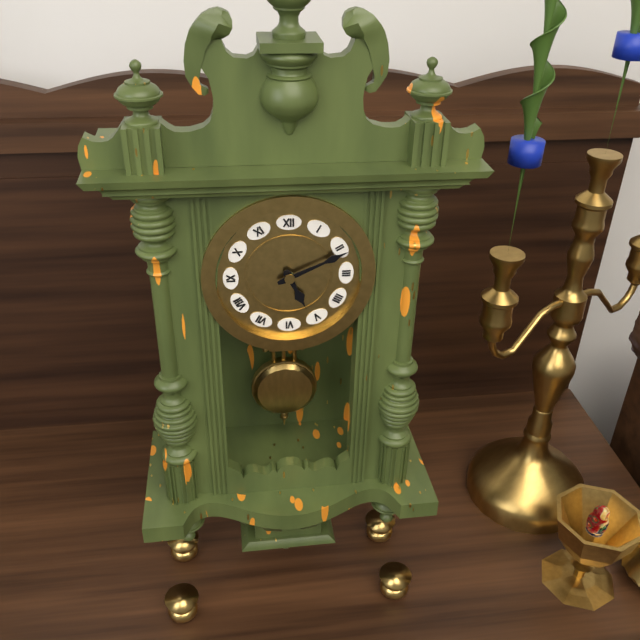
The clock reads **5:11**
